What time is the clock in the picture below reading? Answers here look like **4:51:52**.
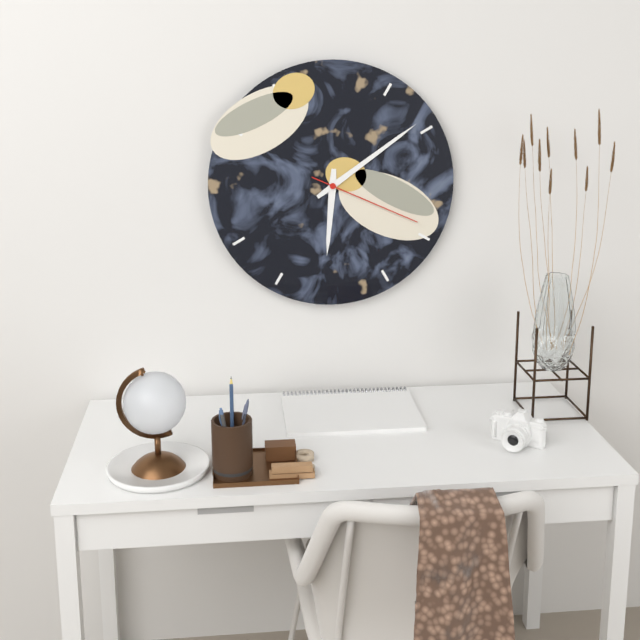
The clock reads **6:09:19**
